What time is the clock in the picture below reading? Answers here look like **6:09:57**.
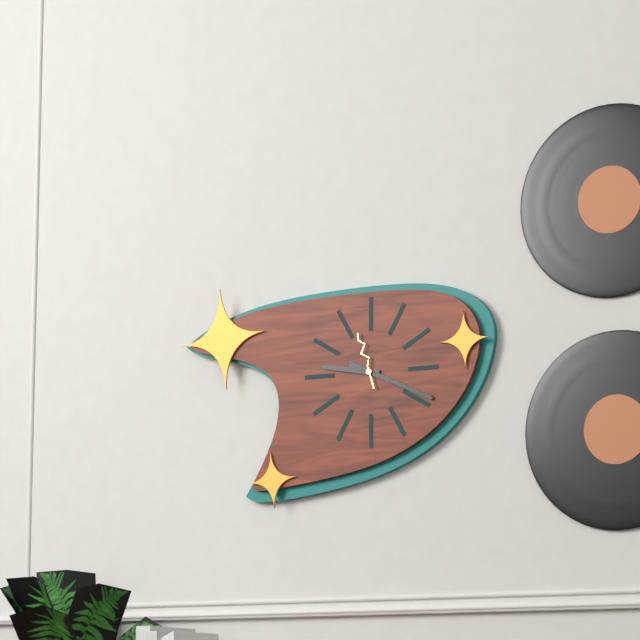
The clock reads **9:19:57**
